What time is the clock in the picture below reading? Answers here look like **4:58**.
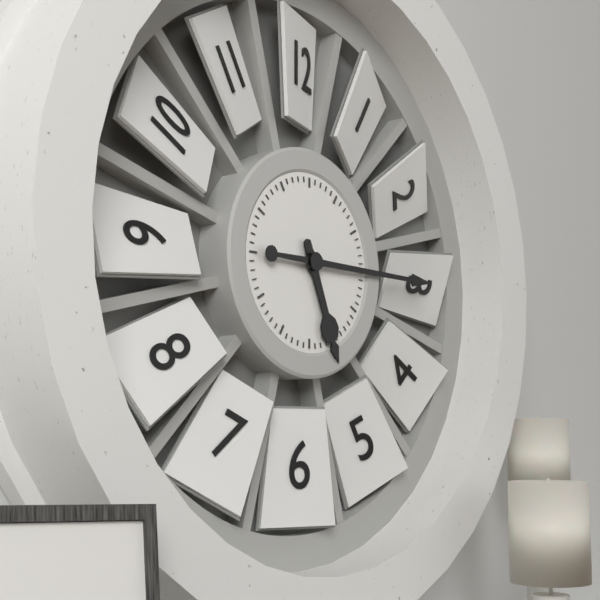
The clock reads **5:15**
